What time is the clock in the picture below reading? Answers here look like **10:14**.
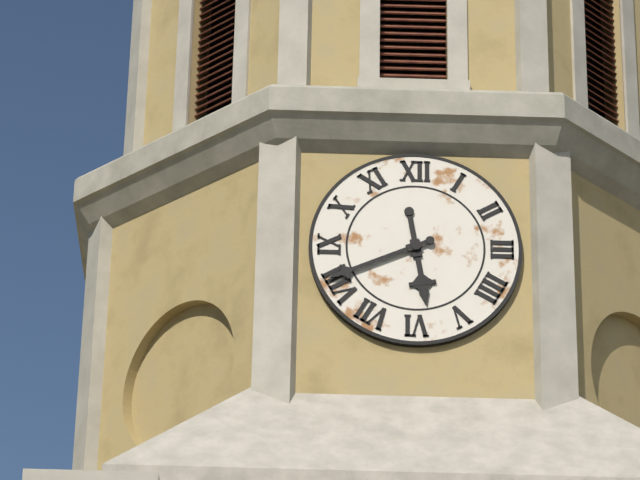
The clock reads **5:41**
